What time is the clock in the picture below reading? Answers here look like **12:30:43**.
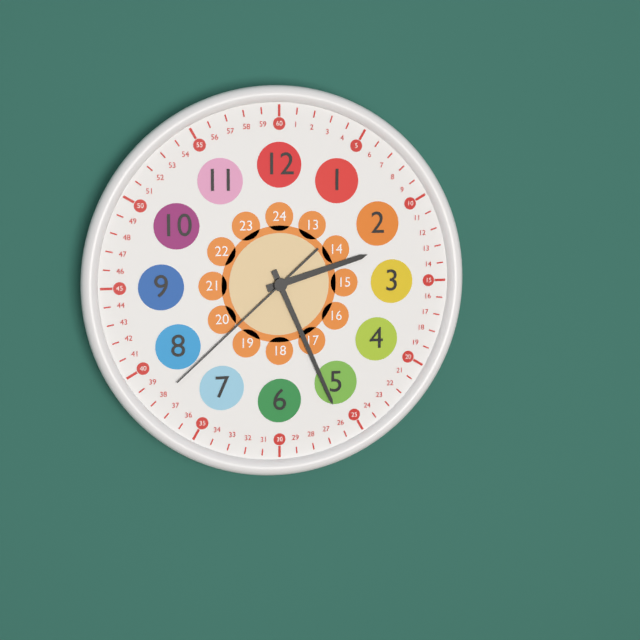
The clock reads **2:26:38**
